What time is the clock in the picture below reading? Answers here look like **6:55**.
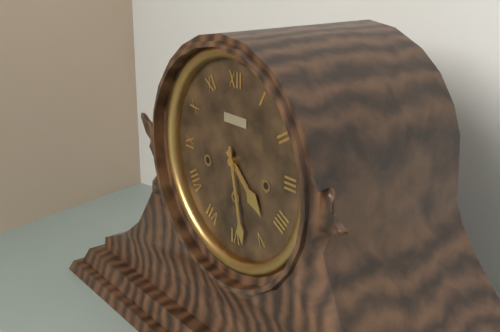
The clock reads **4:28**
